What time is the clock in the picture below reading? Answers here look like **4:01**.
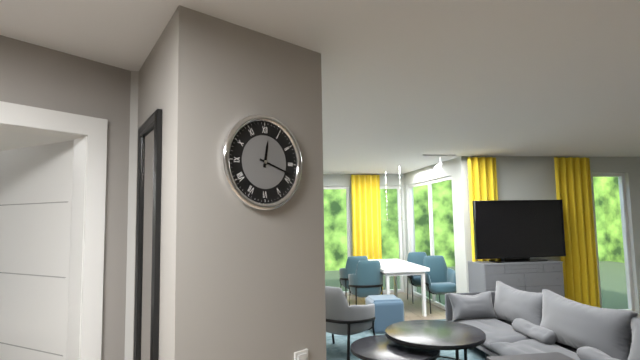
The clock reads **12:18**
